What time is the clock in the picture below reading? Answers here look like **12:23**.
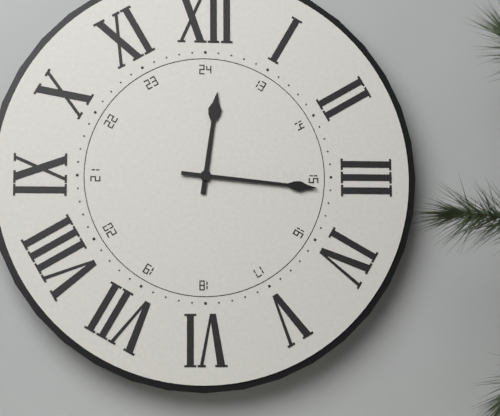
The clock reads **12:16**
